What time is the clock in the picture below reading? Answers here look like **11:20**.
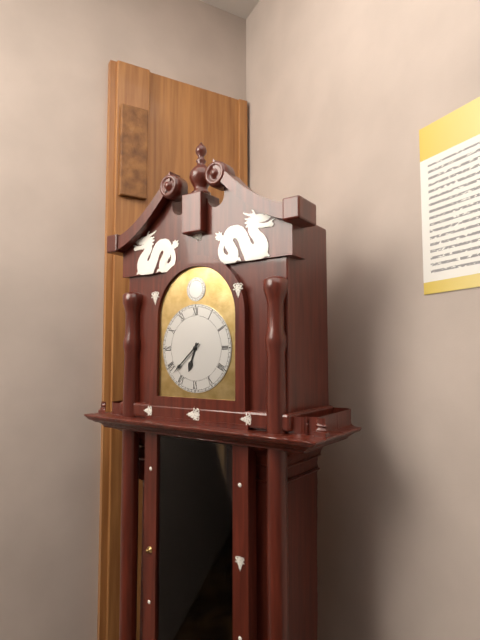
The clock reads **6:38**
